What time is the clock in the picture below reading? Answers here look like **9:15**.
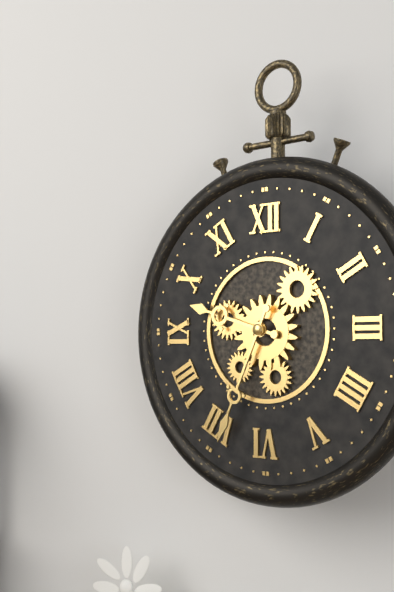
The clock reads **9:34**
